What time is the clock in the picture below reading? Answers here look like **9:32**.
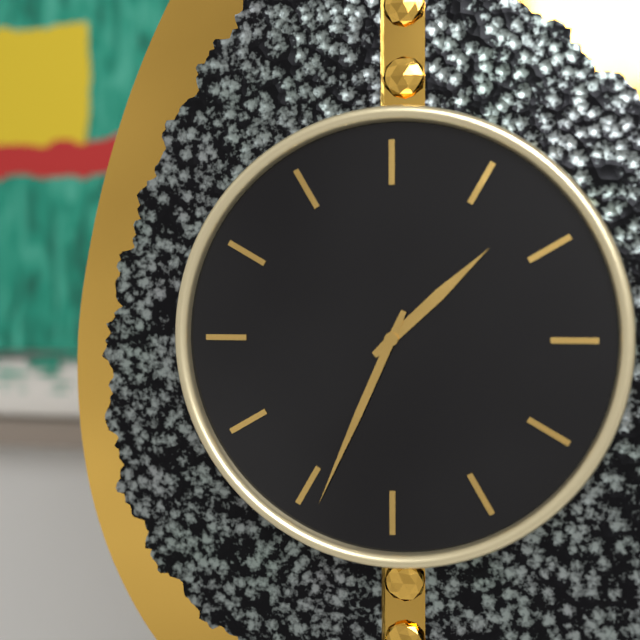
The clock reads **1:34**
